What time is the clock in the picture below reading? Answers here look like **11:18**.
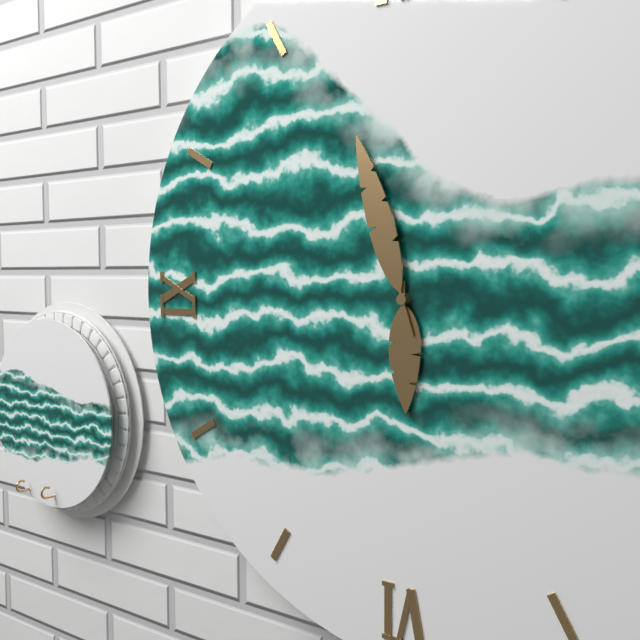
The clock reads **5:57**
